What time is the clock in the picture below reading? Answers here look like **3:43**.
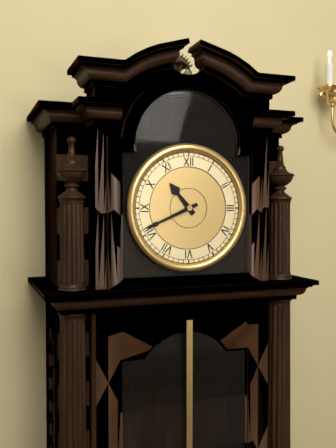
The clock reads **10:41**
